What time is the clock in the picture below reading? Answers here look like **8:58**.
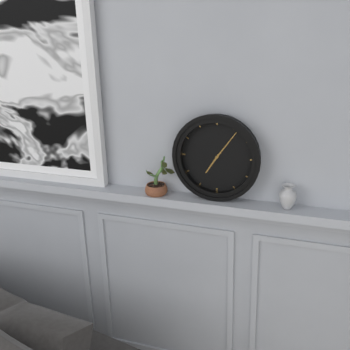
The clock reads **7:06**
